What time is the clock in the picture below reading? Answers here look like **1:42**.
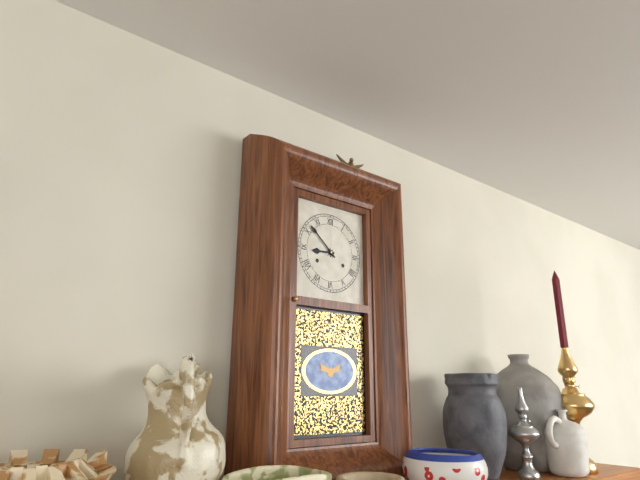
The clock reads **8:52**
